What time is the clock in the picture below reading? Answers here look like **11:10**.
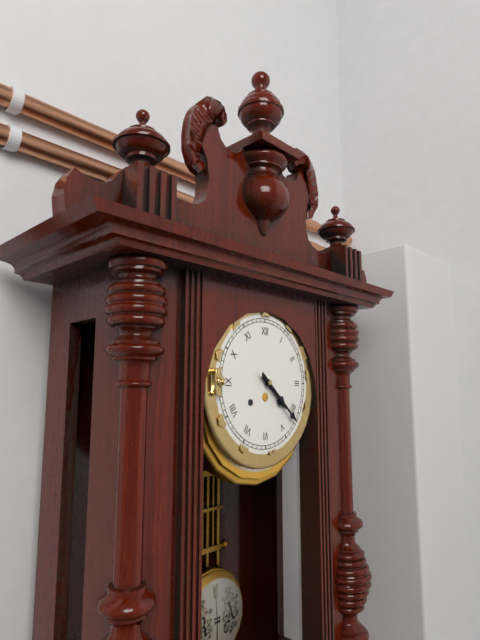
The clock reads **4:22**
